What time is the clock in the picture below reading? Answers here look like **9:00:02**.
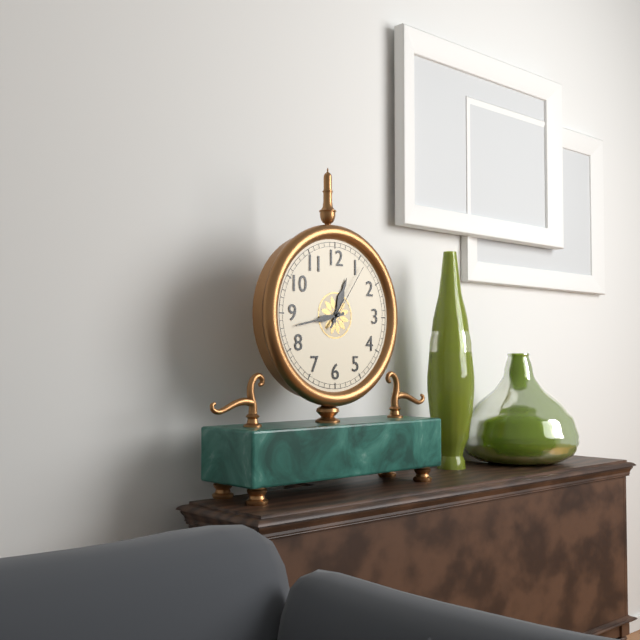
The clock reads **12:43:06**
